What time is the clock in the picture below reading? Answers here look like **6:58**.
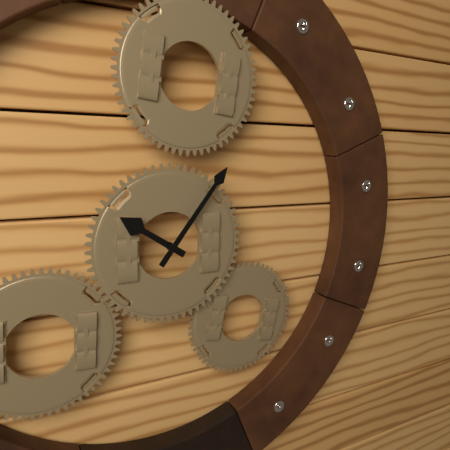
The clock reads **10:06**
